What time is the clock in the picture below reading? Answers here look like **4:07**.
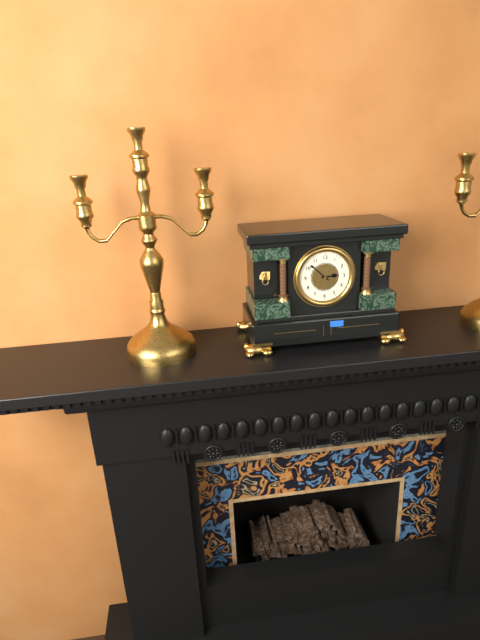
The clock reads **2:52**
